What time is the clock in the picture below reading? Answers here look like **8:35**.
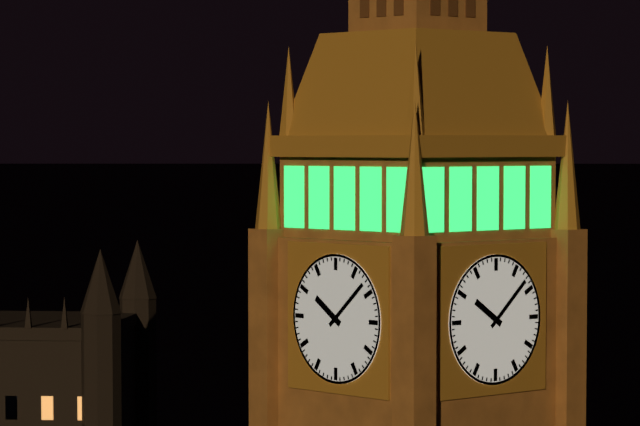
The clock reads **10:08**
